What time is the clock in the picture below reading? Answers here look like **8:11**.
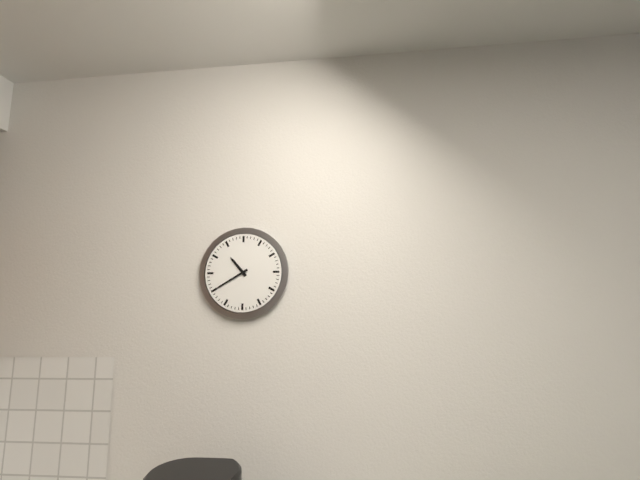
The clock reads **10:40**
